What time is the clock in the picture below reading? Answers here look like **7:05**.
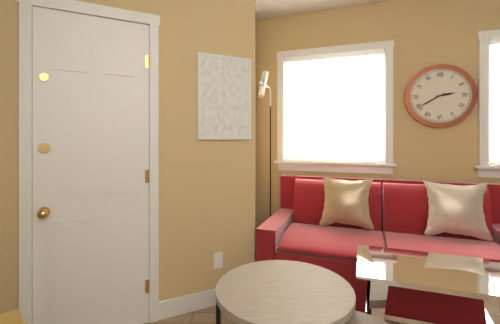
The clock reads **2:40**
